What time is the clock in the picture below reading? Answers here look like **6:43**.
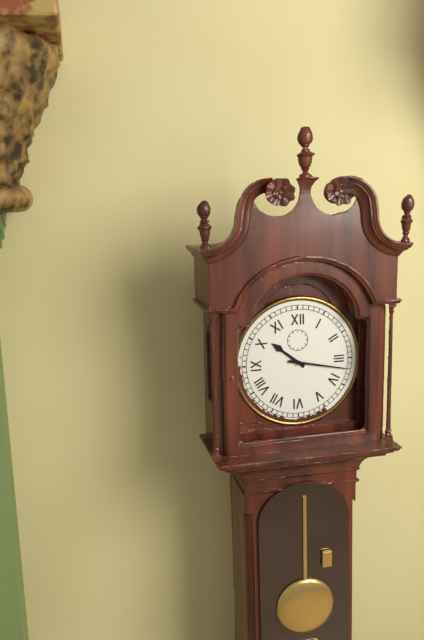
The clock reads **10:17**
